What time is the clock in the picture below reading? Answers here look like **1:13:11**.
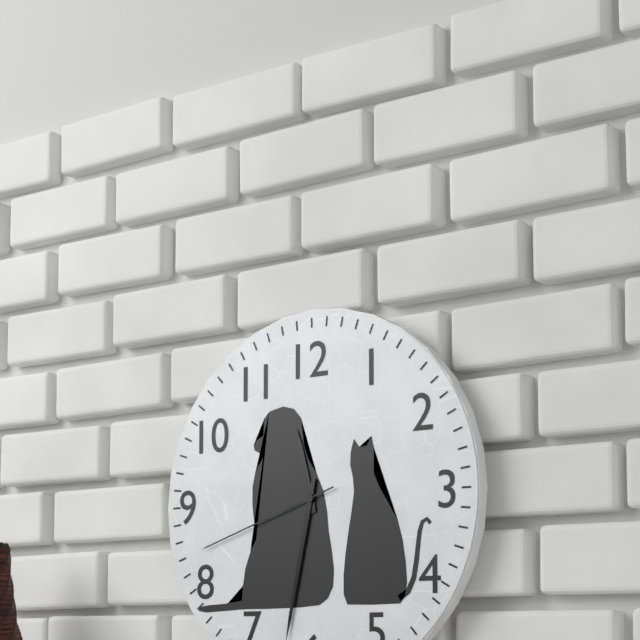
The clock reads **11:32:42**
